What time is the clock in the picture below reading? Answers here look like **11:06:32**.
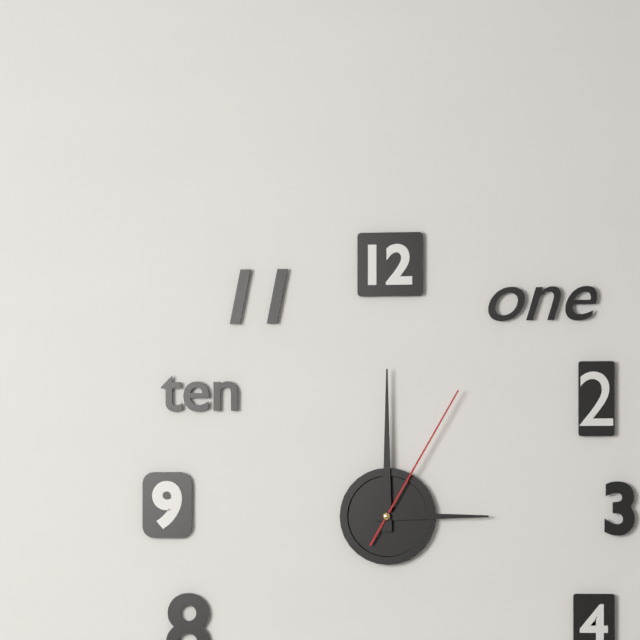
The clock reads **3:00:05**
